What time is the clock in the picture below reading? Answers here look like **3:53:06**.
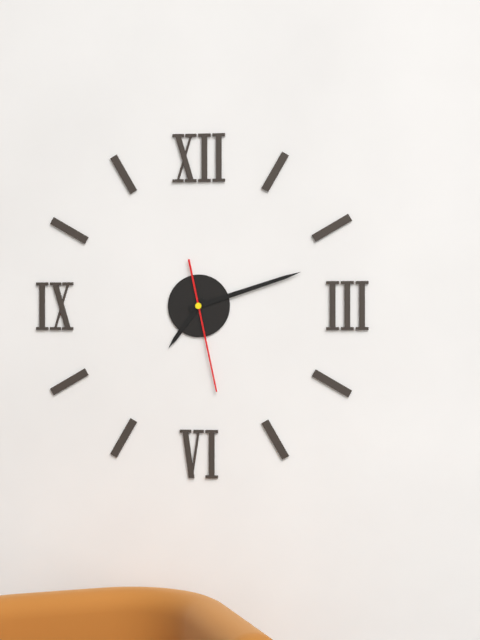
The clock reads **7:12:28**
